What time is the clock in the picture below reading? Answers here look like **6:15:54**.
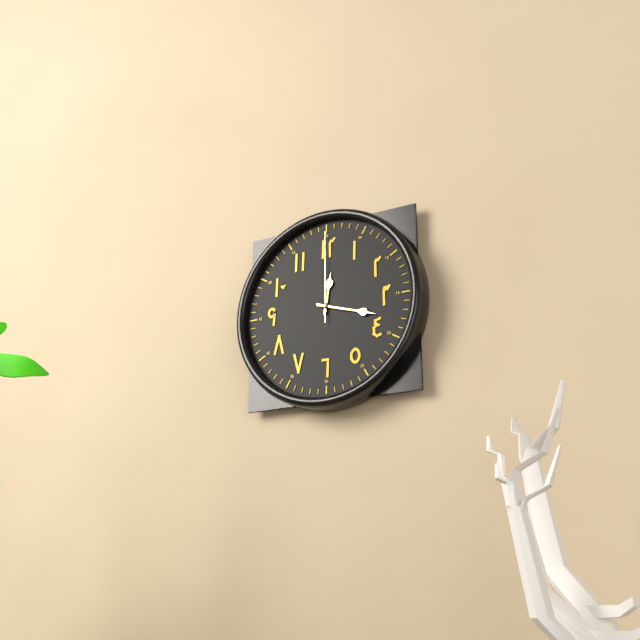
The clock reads **12:18:00**
